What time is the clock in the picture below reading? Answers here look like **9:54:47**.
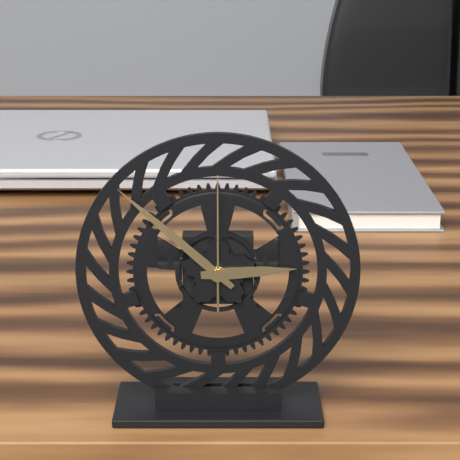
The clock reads **2:52:00**
